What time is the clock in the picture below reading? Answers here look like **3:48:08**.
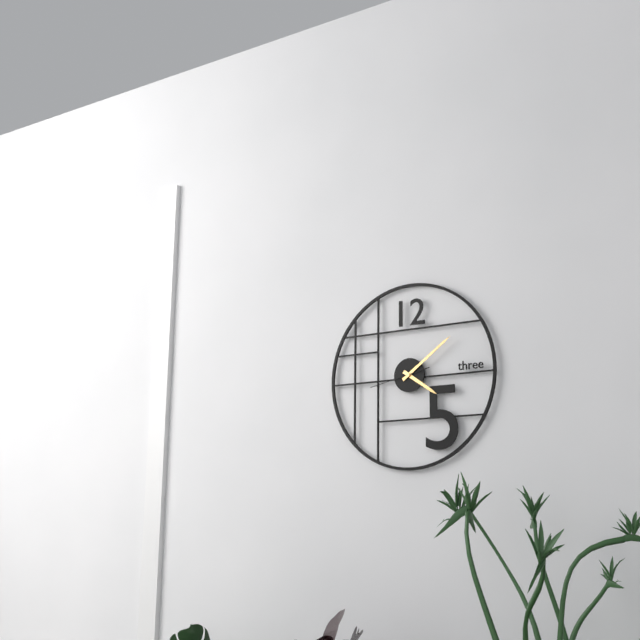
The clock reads **4:09:43**
